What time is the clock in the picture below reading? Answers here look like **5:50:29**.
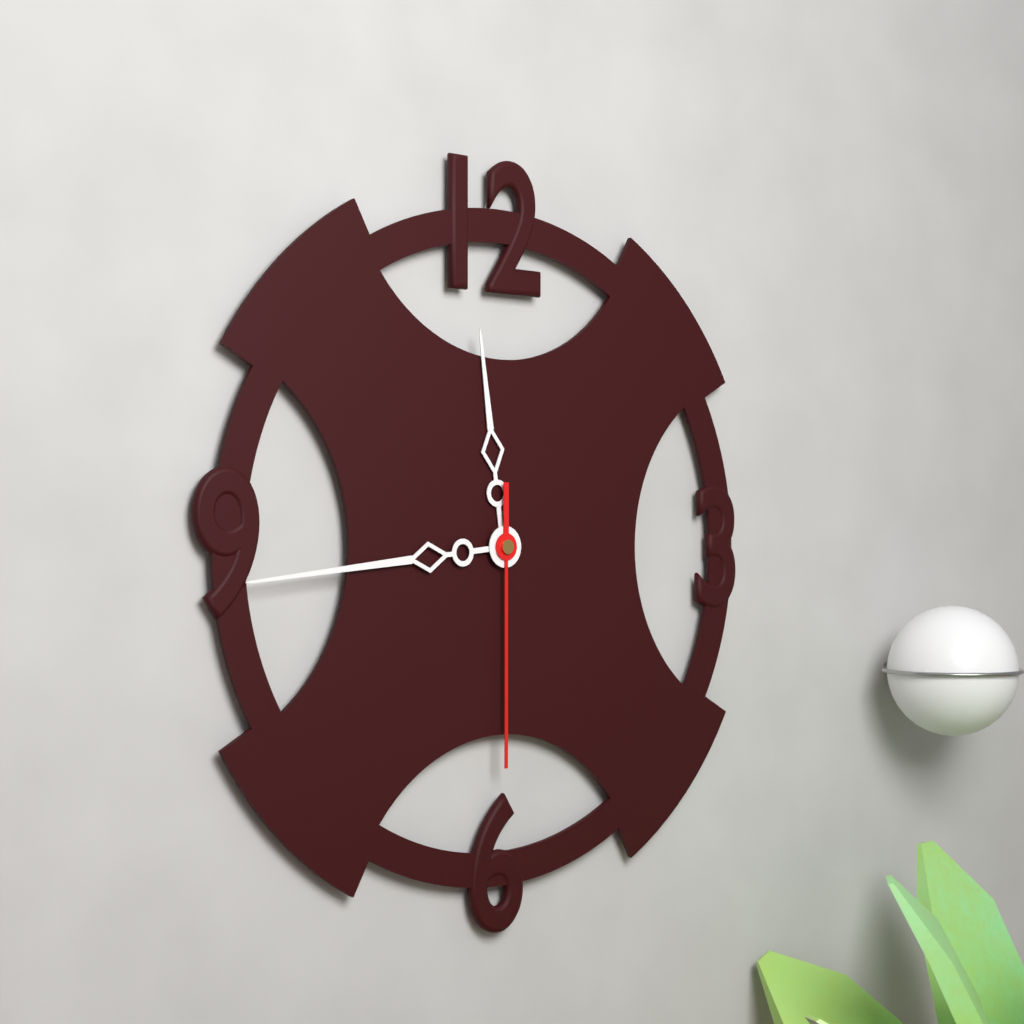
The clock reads **11:44:30**
